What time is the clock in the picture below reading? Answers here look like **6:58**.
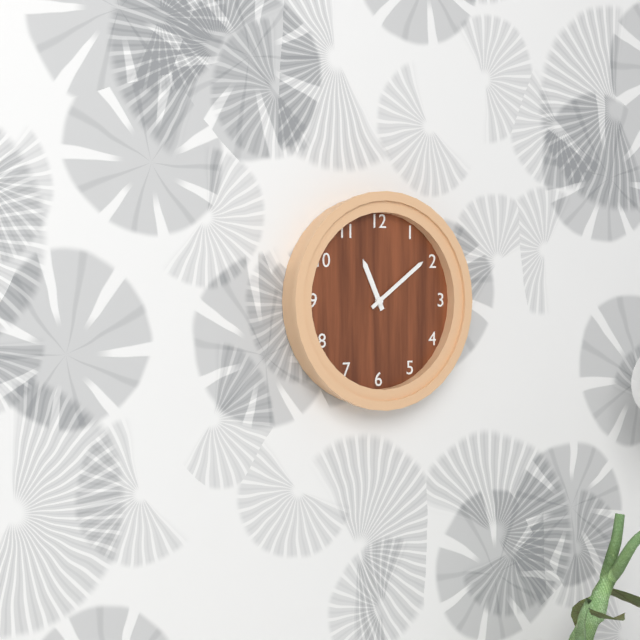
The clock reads **11:09**
